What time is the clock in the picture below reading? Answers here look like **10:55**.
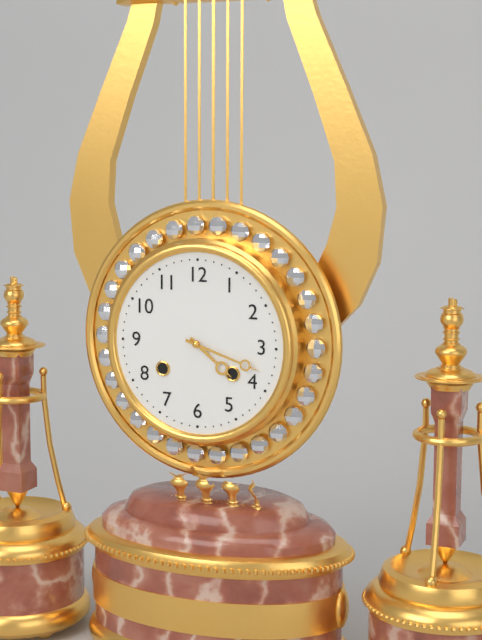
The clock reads **4:18**
